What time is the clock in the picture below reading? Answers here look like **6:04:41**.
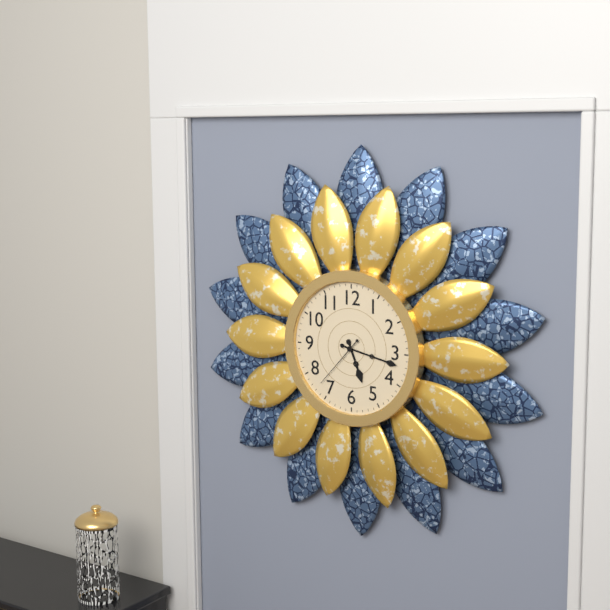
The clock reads **5:17:37**
